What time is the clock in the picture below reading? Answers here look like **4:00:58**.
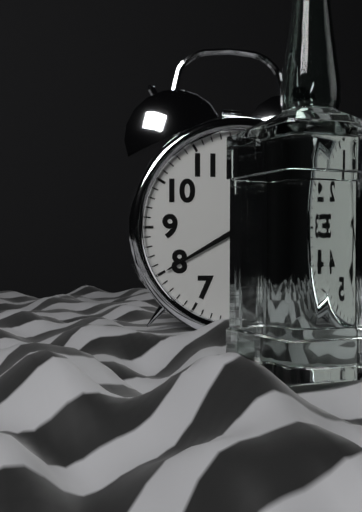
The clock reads **5:40:02**
